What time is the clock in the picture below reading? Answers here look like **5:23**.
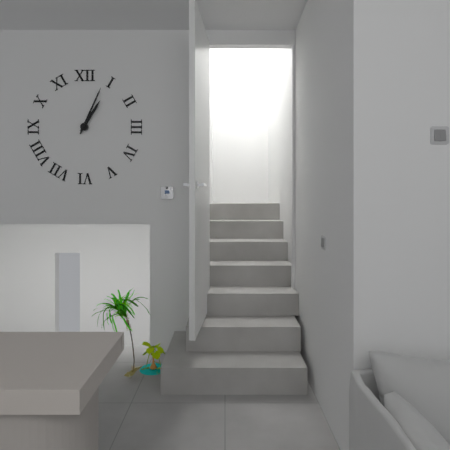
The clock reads **1:04**
